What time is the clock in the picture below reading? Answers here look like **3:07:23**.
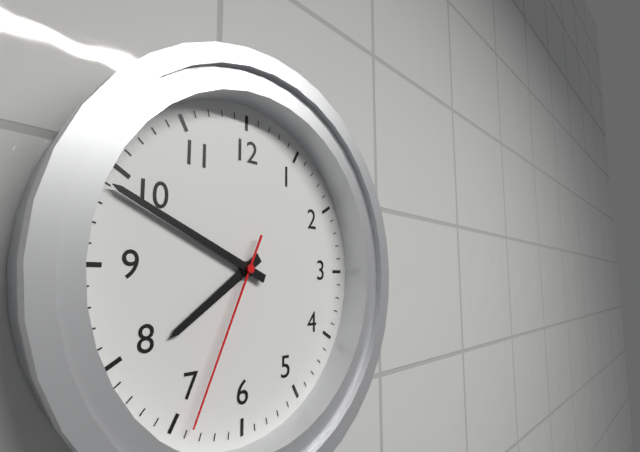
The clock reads **7:49:34**
